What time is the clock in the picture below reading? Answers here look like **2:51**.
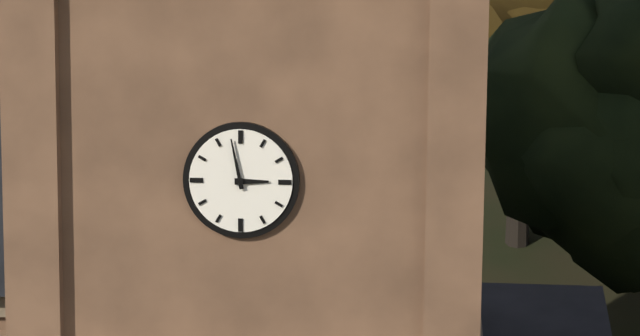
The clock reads **2:58**
